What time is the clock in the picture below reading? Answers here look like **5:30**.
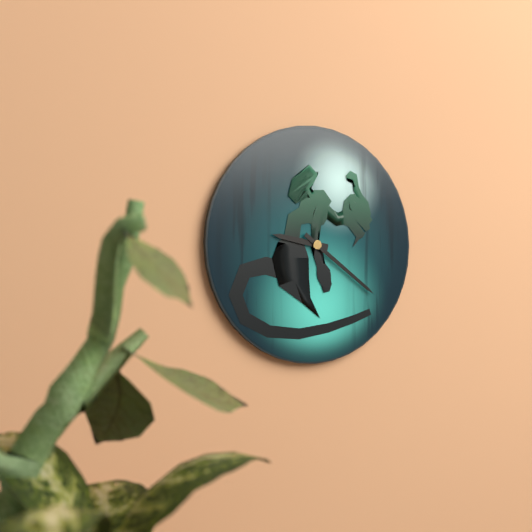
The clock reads **9:21**
